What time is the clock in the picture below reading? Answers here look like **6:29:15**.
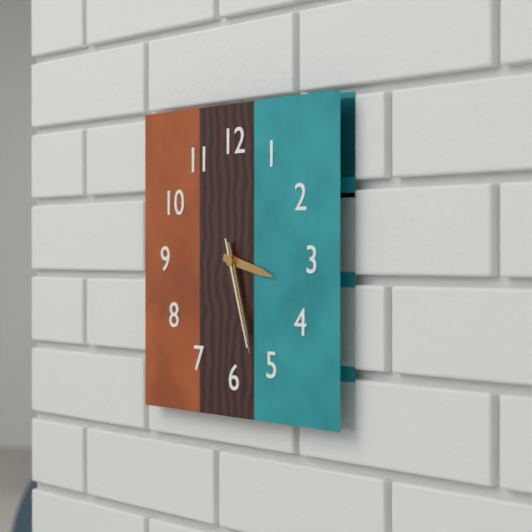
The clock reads **3:27:27**
